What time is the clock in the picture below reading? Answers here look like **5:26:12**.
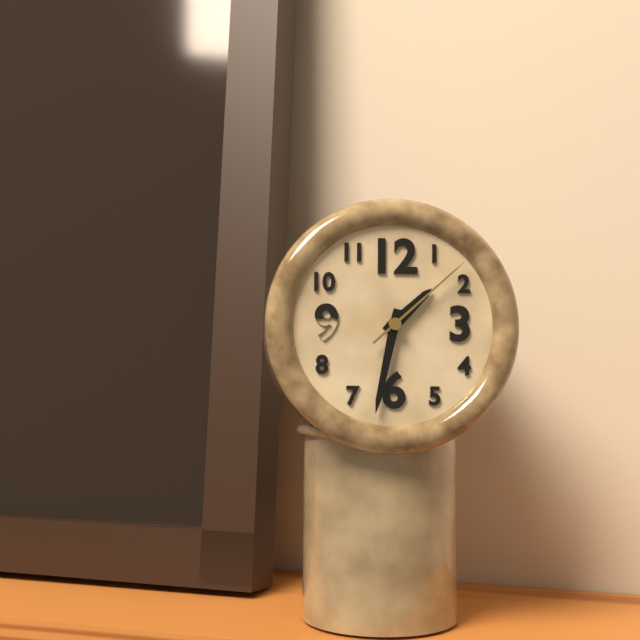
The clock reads **1:32:08**
